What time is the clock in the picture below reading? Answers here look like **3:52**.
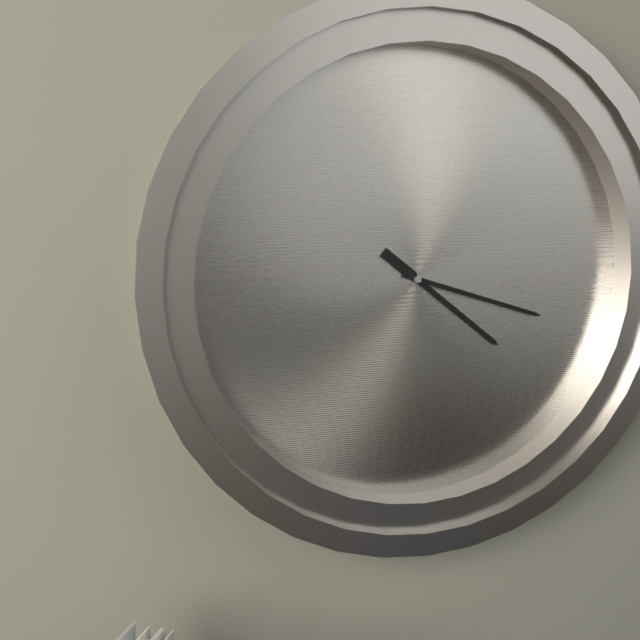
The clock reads **4:18**
